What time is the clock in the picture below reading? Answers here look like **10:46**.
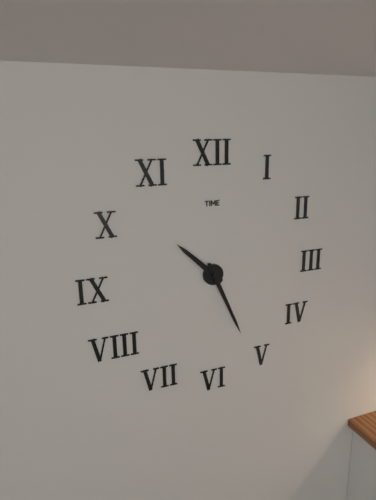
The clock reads **10:26**
